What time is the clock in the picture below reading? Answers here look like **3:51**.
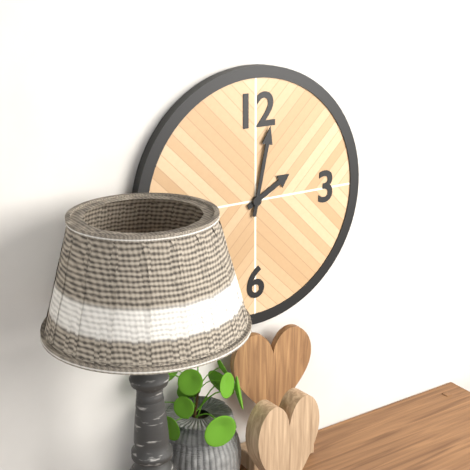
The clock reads **2:02**
